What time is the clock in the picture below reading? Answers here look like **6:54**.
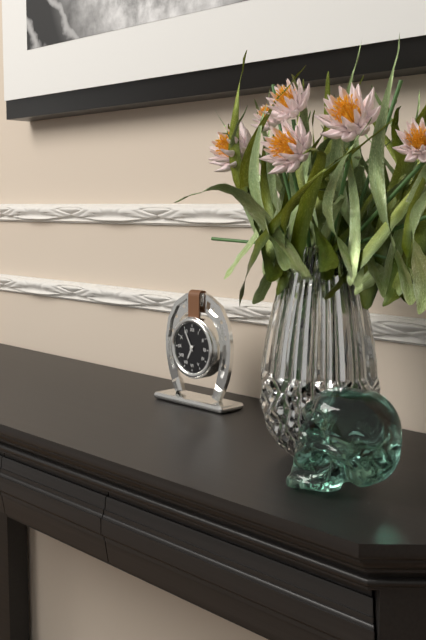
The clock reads **6:55**
